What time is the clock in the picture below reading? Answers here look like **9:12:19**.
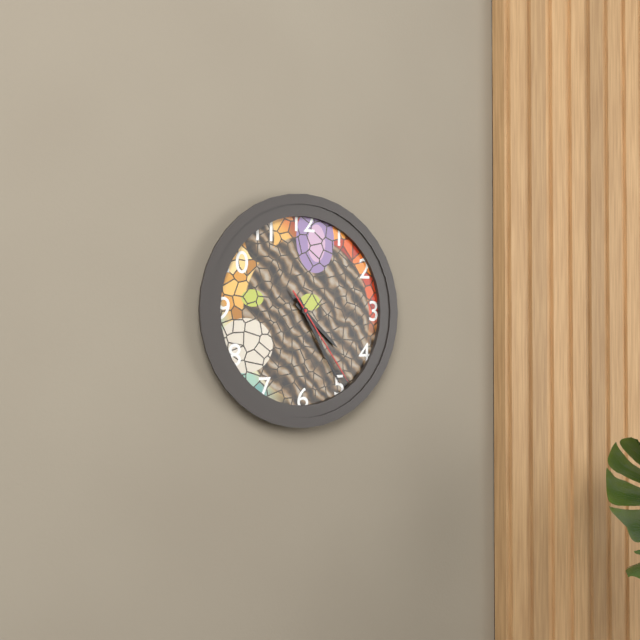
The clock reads **4:25:24**
